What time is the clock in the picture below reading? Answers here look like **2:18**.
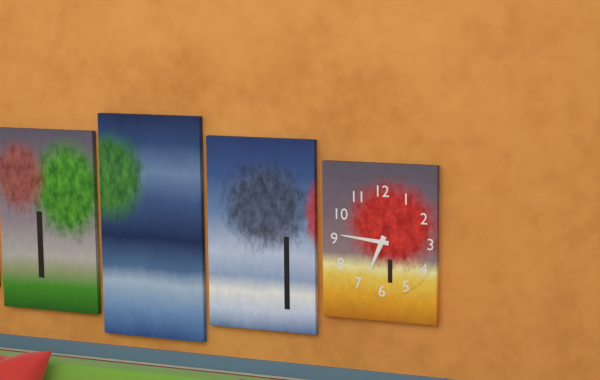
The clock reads **6:46**
